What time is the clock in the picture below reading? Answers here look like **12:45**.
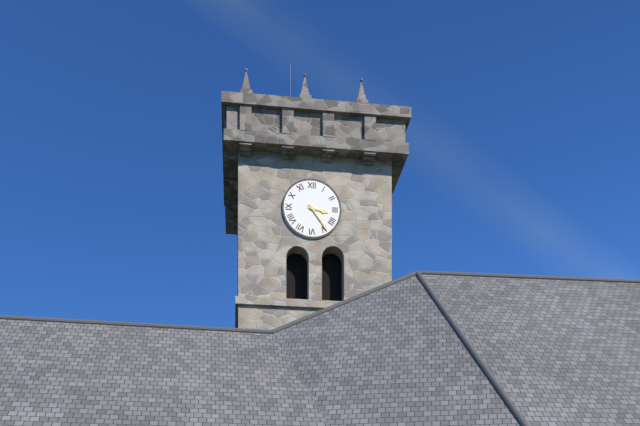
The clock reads **3:24**
